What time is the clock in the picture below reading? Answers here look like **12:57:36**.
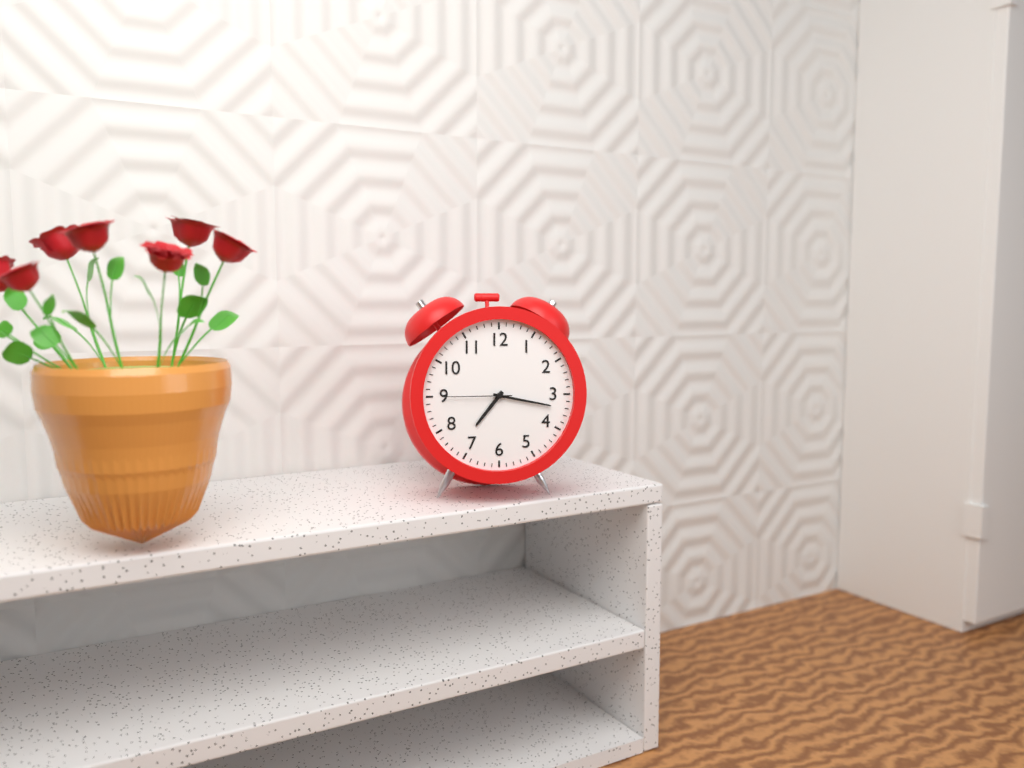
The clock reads **7:17:45**
